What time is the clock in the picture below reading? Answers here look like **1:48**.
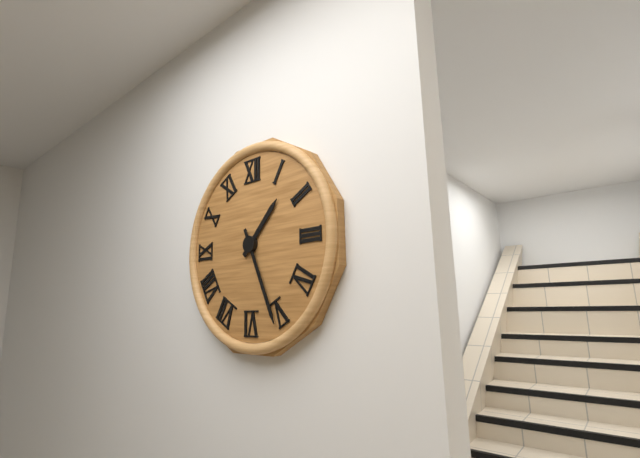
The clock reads **1:26**
